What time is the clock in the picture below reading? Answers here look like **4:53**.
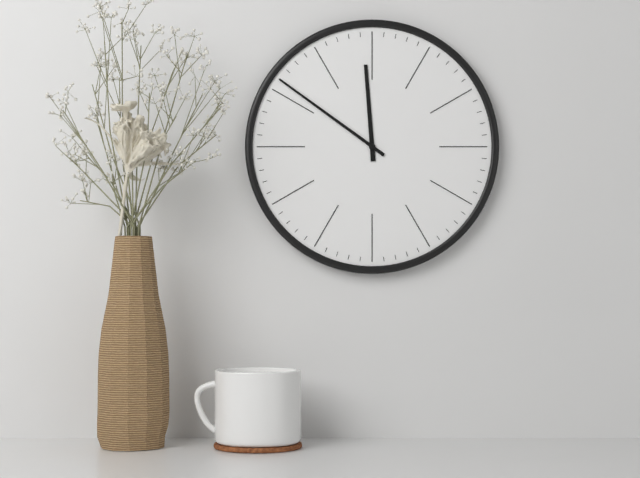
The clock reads **11:51**
